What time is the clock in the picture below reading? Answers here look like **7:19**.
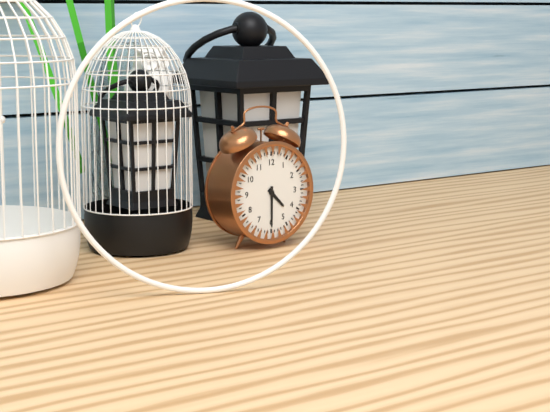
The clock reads **4:30**
